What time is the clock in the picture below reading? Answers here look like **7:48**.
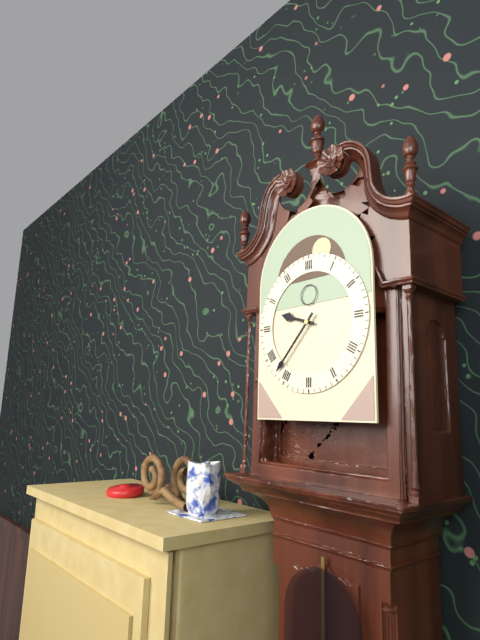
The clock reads **9:37**
